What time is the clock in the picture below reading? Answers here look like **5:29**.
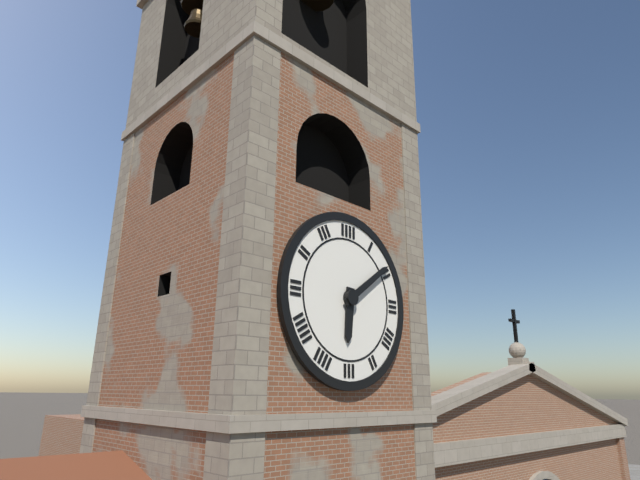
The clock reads **6:09**
